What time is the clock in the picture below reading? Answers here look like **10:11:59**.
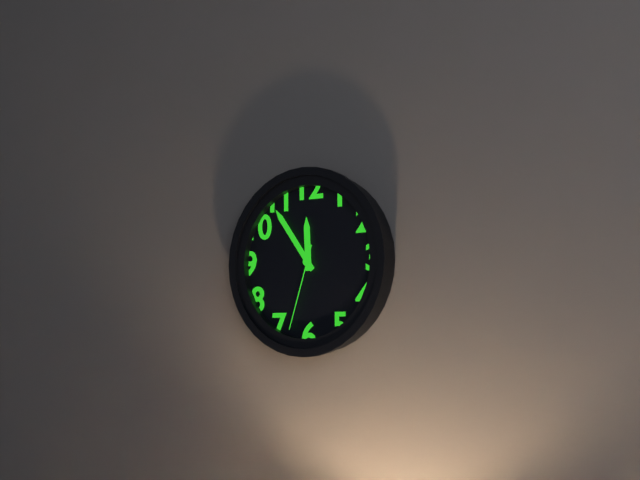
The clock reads **11:54:33**
